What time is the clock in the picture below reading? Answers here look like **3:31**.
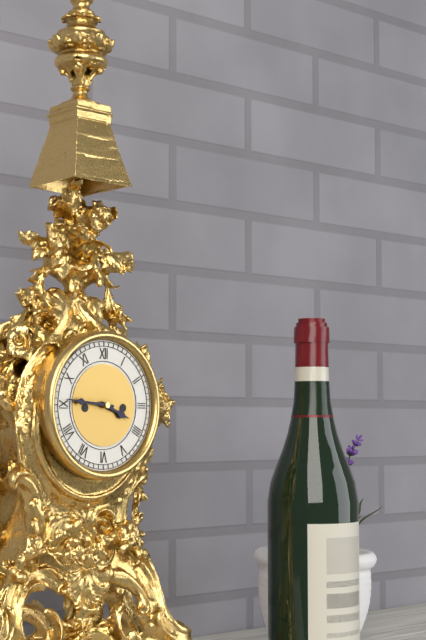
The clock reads **3:46**
